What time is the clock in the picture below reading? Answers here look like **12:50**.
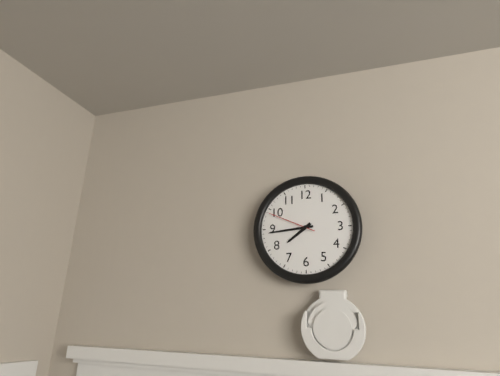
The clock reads **7:44**
